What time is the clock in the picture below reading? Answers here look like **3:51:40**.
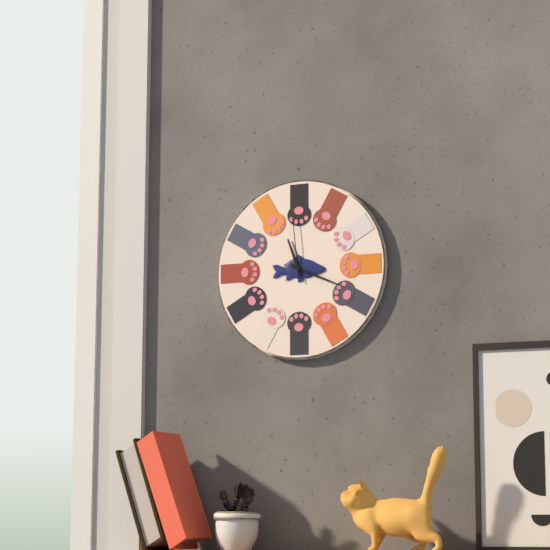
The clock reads **11:19:59**
